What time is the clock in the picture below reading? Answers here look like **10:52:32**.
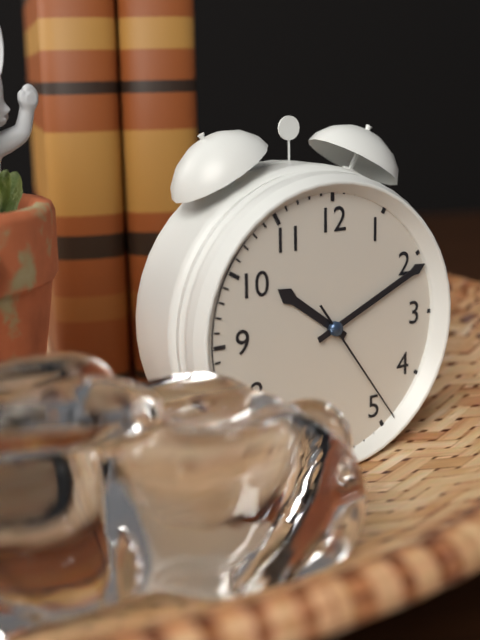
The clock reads **10:11:24**
